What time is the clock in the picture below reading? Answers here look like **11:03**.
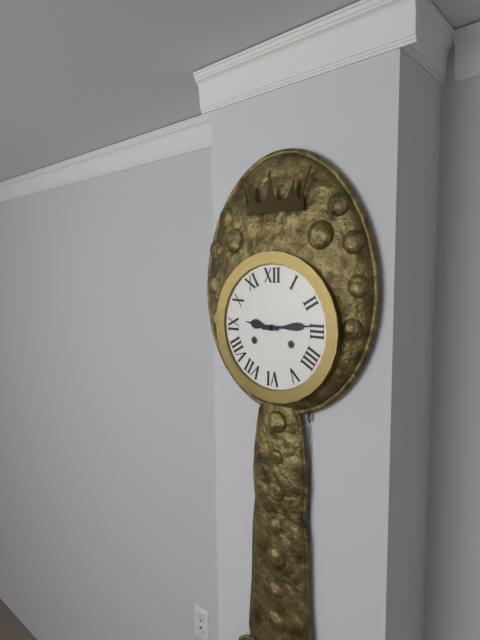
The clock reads **9:14**
